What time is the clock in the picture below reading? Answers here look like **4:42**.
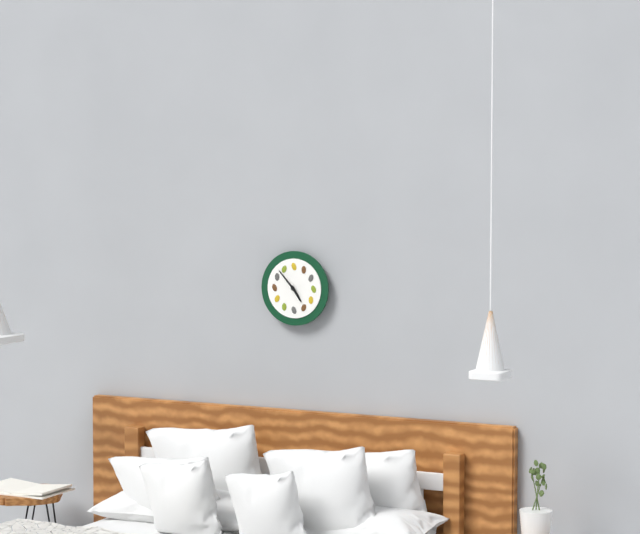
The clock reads **4:53**
